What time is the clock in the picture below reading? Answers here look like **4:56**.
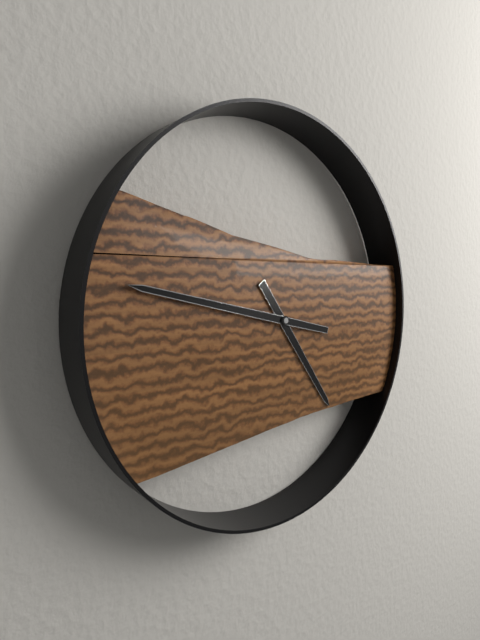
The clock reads **4:47**
